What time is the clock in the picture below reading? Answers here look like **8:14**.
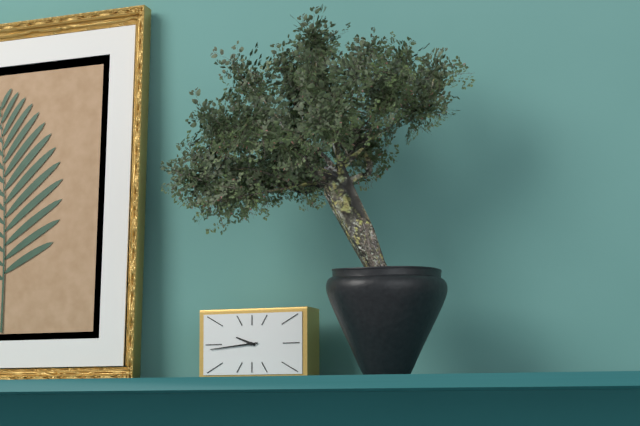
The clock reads **9:44**
